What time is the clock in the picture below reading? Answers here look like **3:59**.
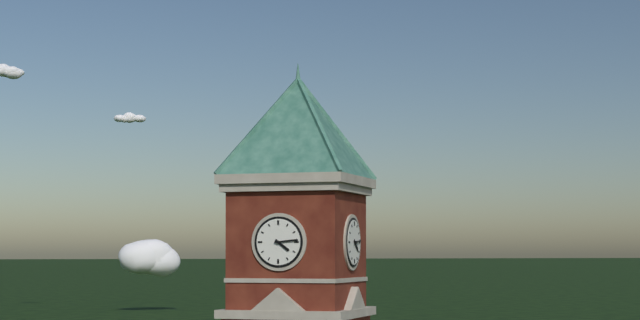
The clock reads **4:14**
